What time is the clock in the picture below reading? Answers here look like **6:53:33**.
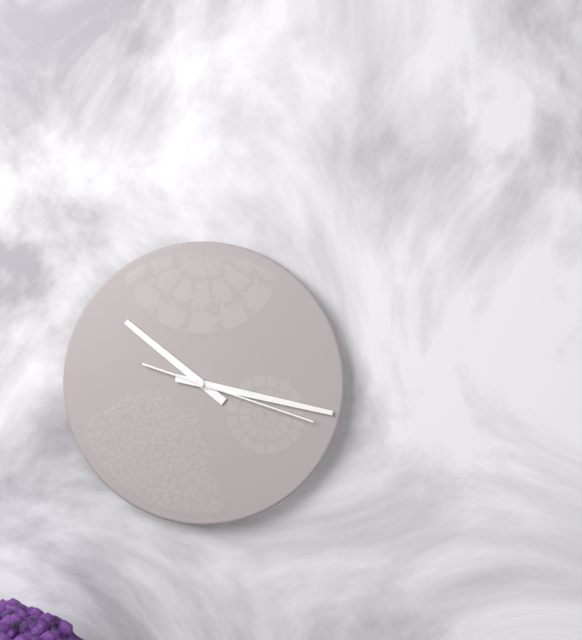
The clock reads **10:17:18**
